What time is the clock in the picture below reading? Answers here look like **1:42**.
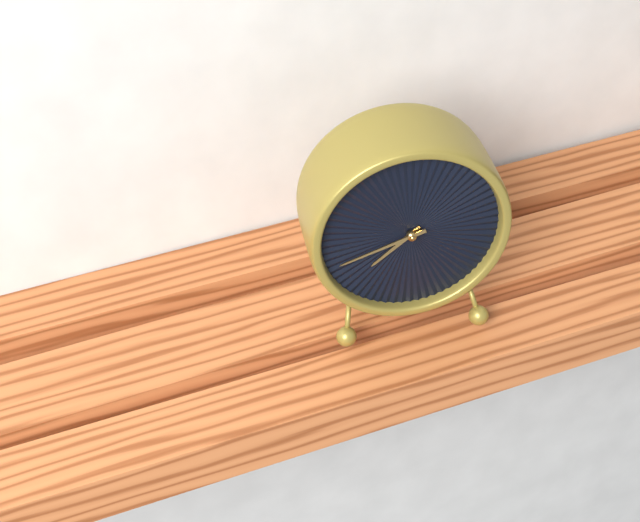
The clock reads **7:42**
